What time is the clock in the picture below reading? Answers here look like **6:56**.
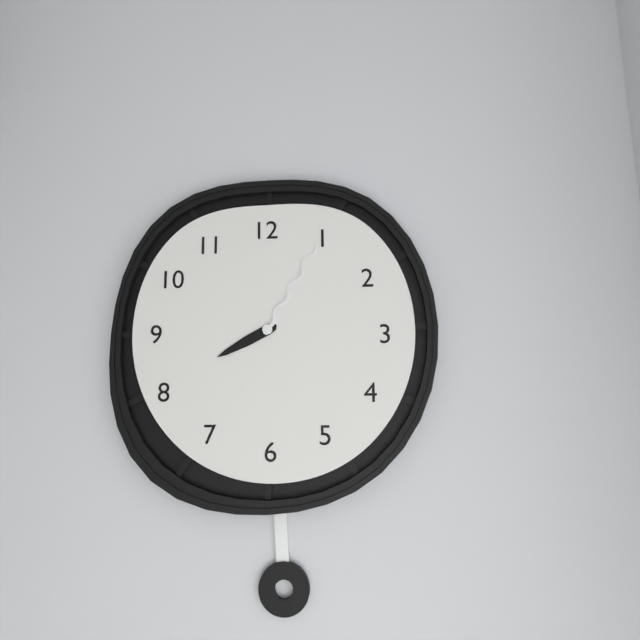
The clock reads **8:05**
